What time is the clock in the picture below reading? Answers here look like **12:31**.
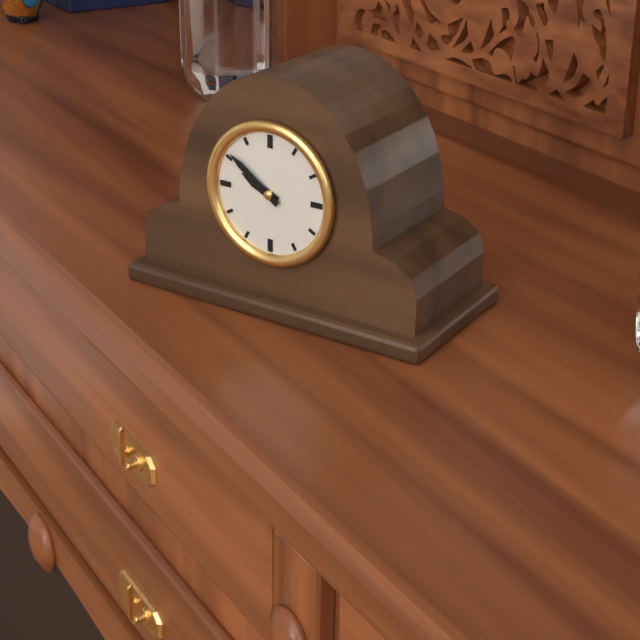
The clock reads **9:51**
